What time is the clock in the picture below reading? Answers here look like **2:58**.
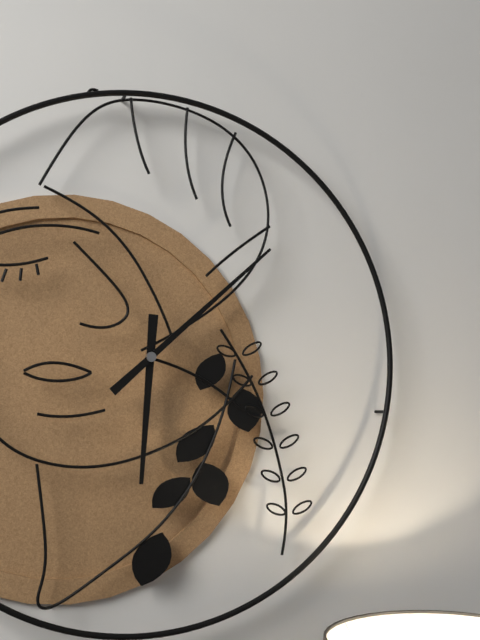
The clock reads **6:08**
